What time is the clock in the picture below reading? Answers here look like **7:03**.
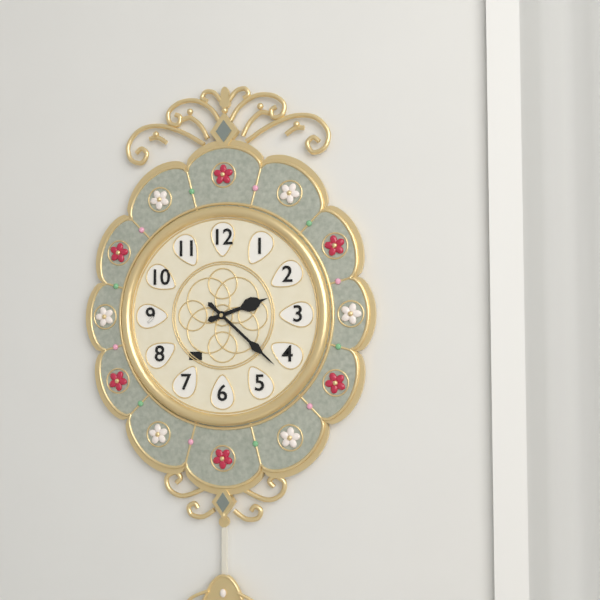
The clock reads **2:22**
